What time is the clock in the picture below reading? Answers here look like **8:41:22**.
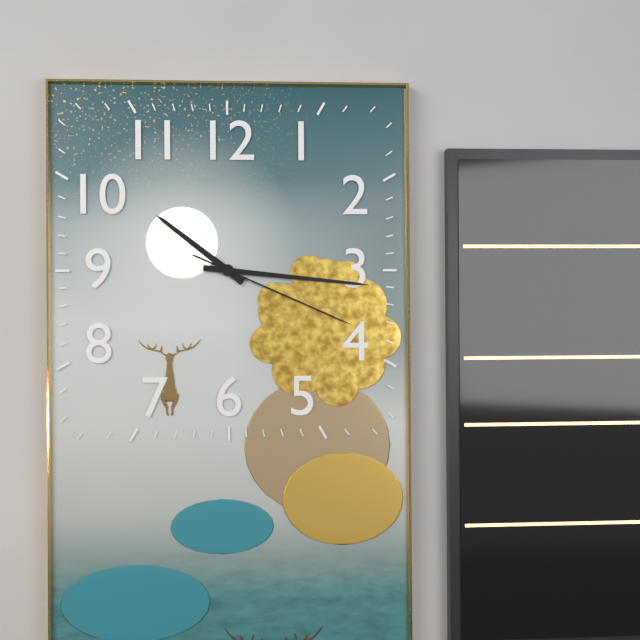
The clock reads **10:16:19**
